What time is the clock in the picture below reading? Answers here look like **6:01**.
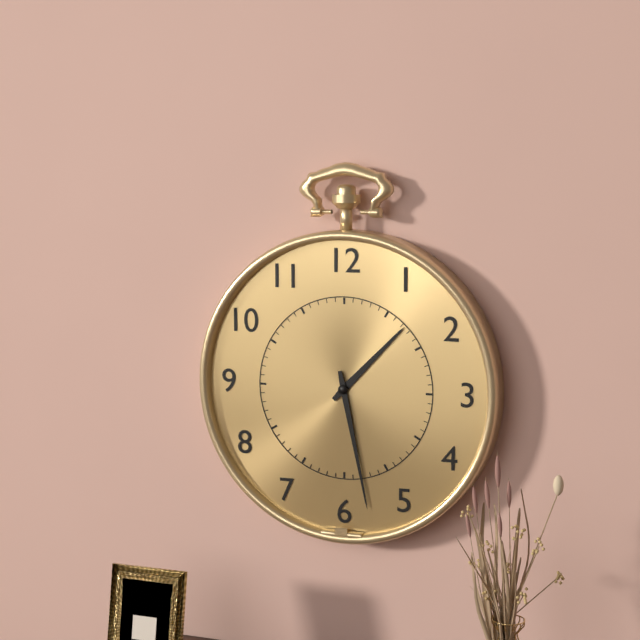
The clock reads **1:28**
